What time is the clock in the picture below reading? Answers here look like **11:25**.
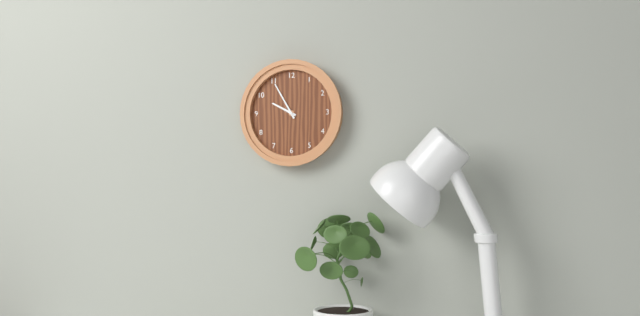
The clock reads **9:55**
